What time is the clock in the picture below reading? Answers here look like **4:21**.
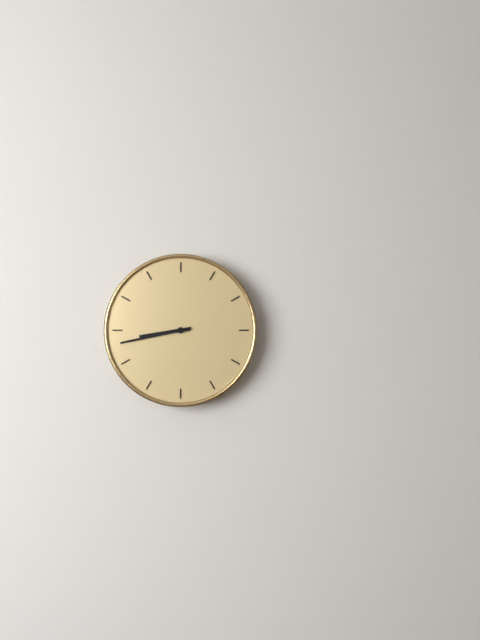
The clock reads **8:43**
